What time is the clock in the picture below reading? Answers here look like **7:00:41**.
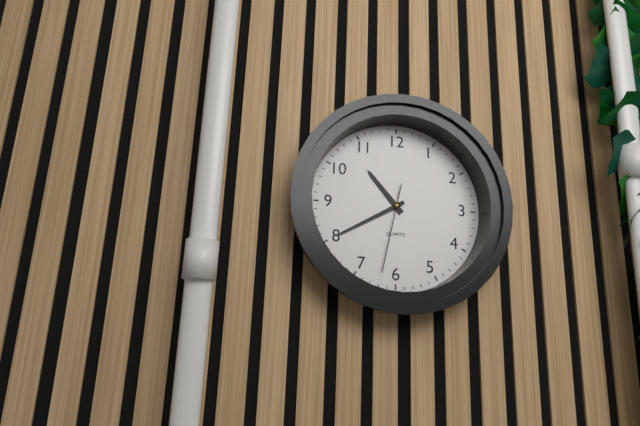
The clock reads **10:40:32**
